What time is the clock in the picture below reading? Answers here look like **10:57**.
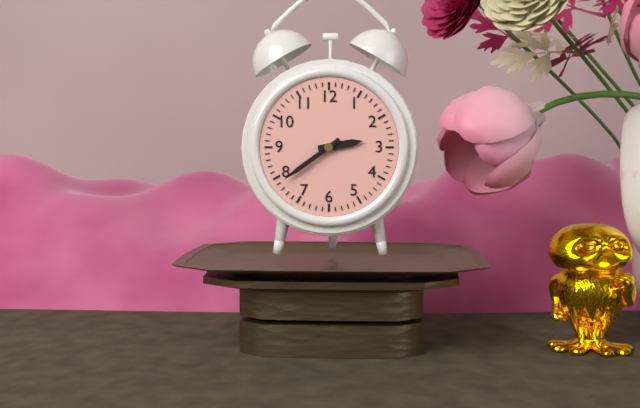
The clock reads **2:39**
